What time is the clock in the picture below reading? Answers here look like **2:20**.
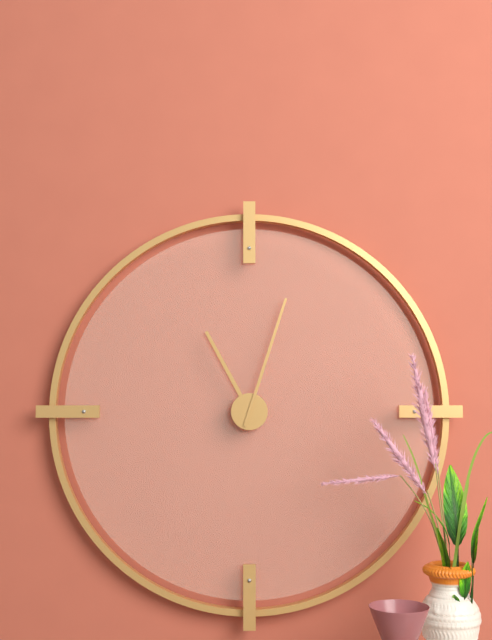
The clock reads **11:03**
